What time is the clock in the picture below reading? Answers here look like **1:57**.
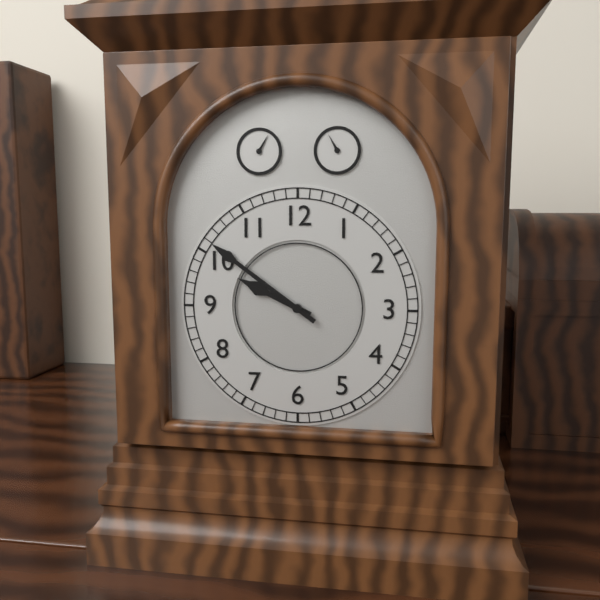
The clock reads **9:51**
